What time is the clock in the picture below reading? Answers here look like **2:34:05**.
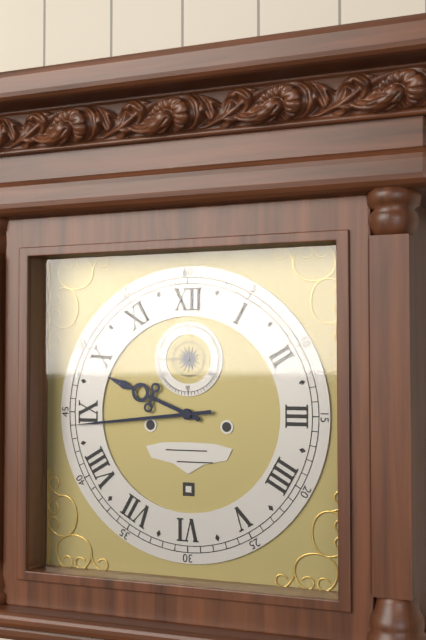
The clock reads **9:44:45**
